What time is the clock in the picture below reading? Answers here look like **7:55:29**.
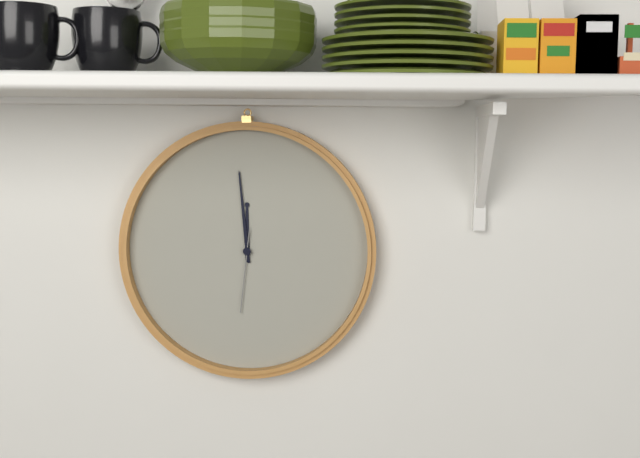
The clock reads **11:59:31**
